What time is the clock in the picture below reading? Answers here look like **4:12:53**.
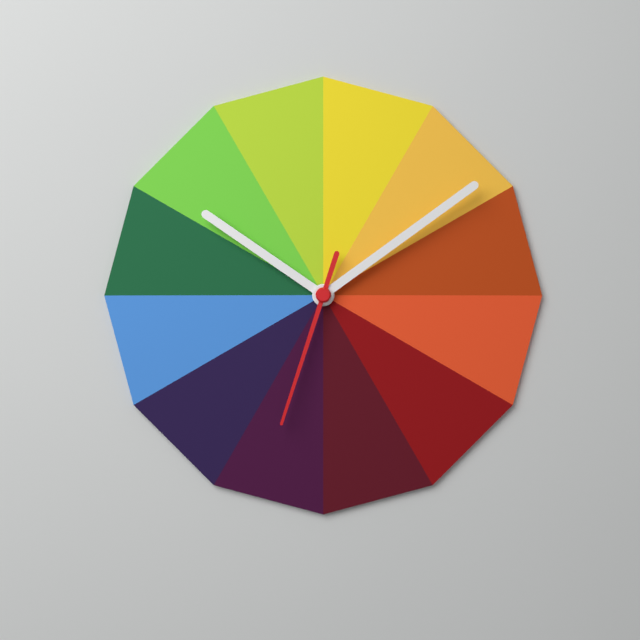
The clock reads **10:09:33**
